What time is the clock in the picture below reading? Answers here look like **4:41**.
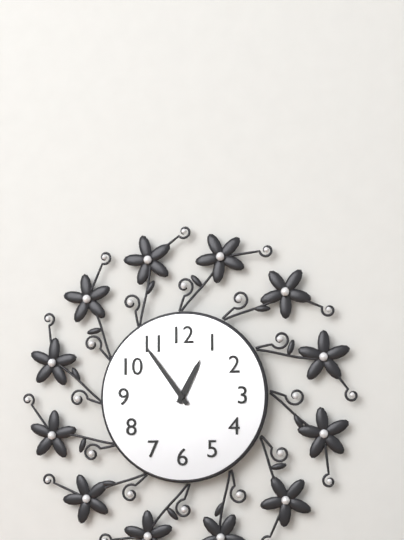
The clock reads **12:54**
